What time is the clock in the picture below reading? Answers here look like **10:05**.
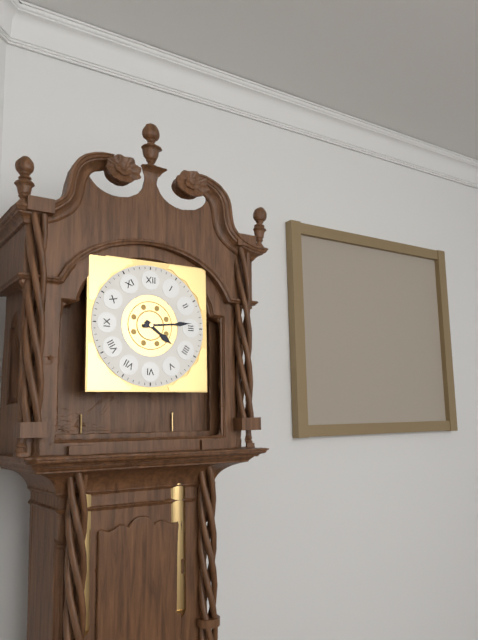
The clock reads **4:14**
